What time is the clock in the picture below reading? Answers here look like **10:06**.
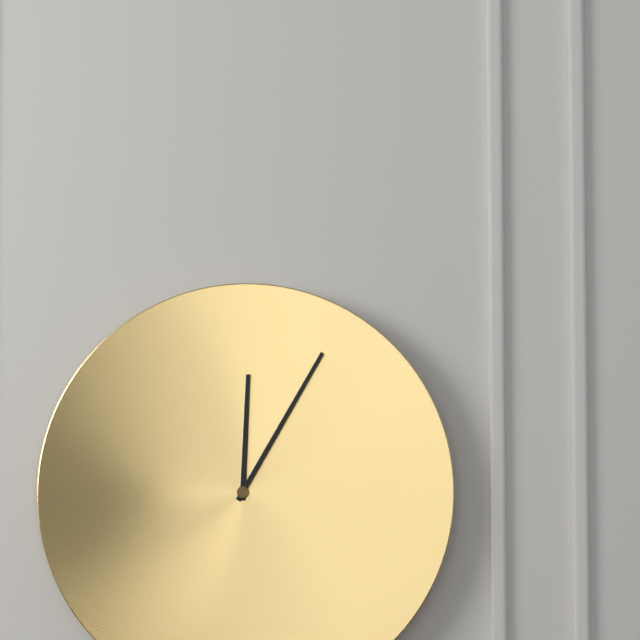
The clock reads **12:05**
